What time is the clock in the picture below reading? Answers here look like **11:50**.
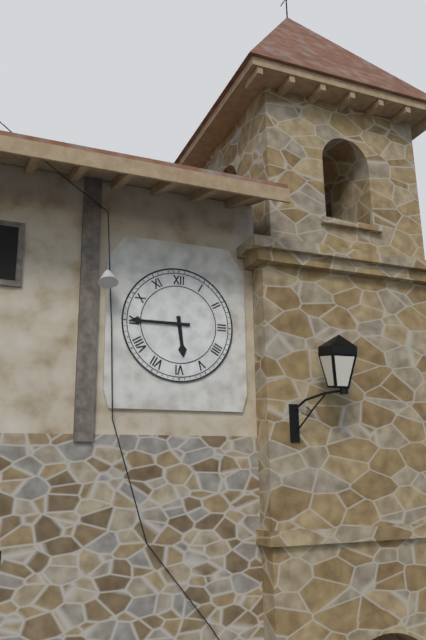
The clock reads **5:45**
